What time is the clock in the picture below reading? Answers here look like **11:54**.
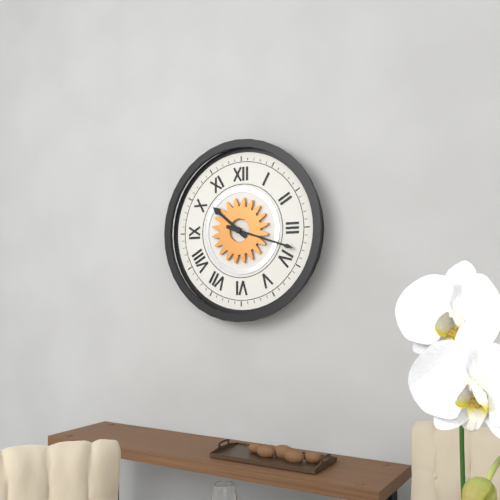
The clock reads **10:18**
